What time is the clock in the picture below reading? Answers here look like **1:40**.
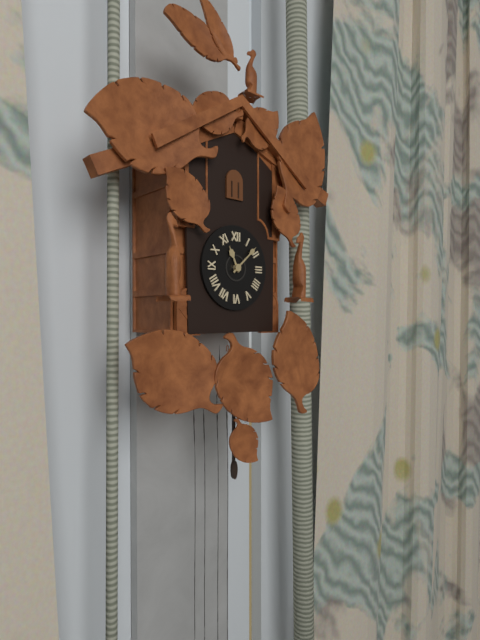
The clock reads **11:08**
